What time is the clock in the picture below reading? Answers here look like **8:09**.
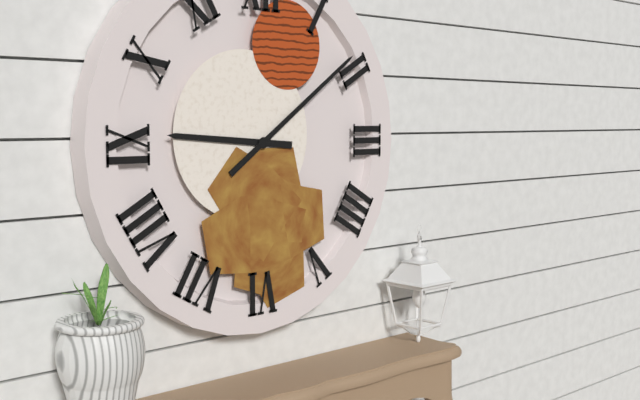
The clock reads **9:09**
